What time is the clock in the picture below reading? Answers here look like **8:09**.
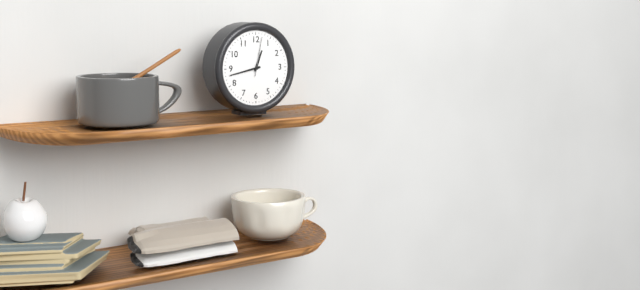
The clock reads **12:43**
